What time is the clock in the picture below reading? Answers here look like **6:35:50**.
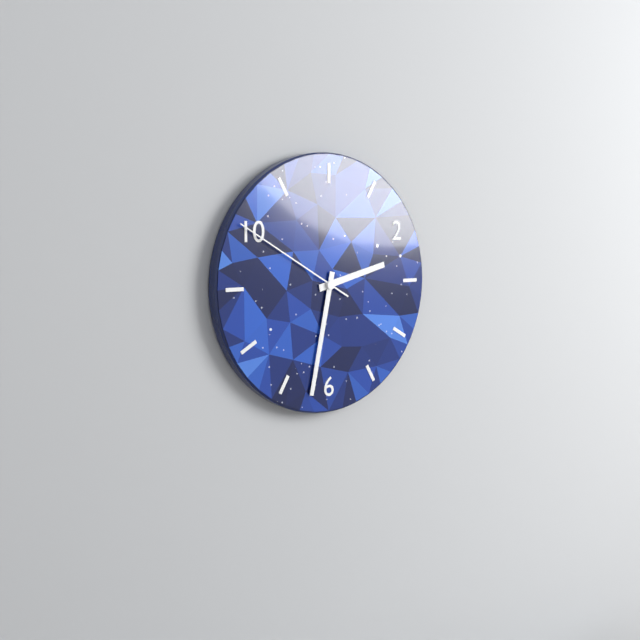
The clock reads **2:32:50**
